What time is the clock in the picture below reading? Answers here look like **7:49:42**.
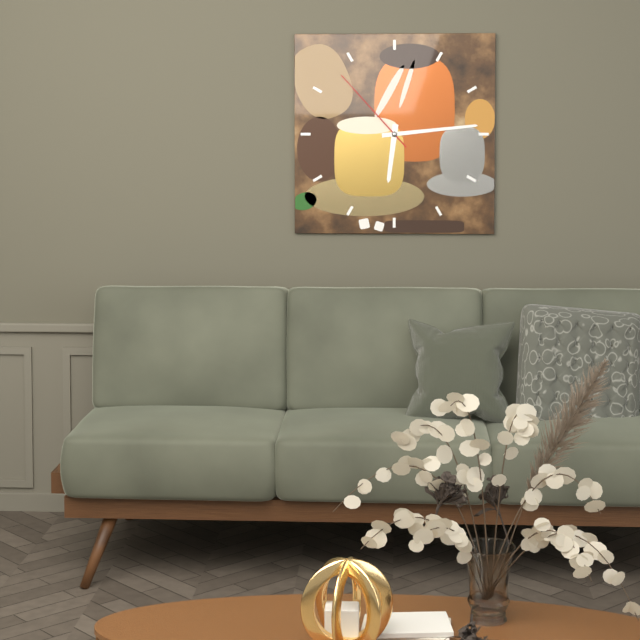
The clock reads **6:14:53**
